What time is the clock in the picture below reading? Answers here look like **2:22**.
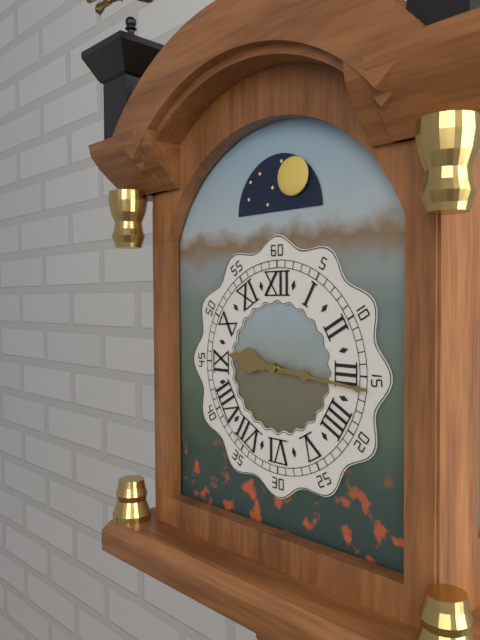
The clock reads **9:16**
